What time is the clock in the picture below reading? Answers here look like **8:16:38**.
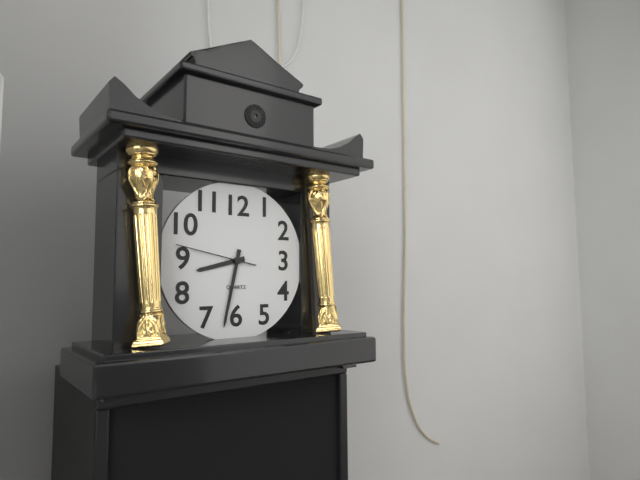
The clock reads **8:32:47**
